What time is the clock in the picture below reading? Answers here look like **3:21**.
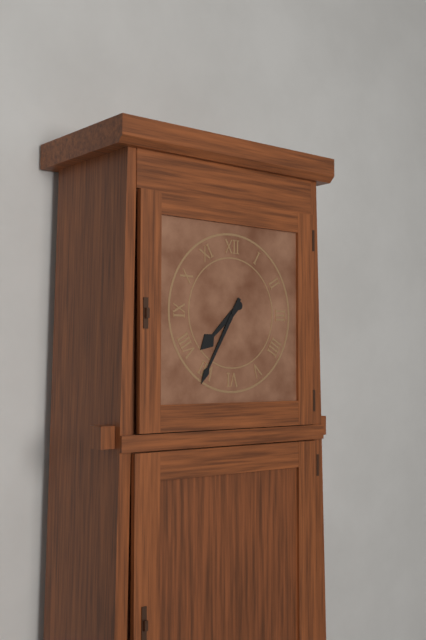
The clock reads **7:35**
